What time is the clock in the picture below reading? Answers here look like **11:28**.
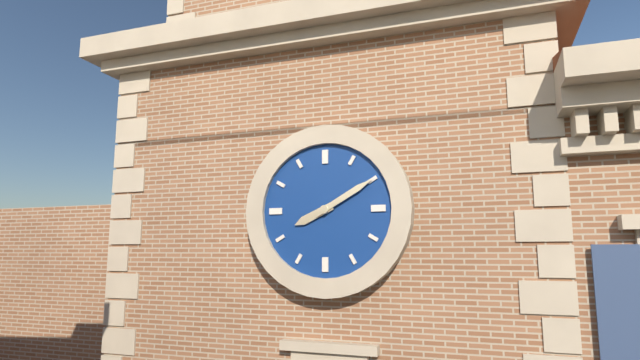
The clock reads **8:10**
